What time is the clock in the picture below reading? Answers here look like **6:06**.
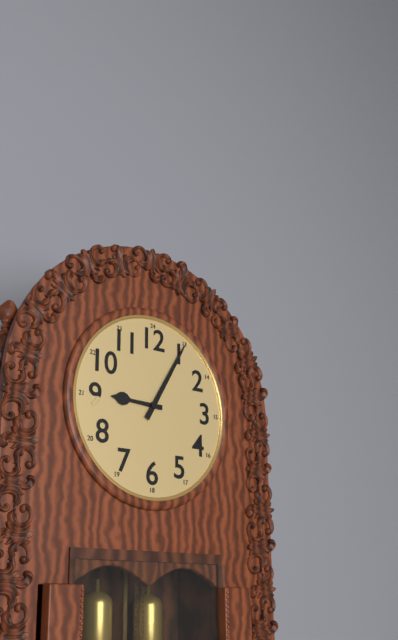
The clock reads **9:05**
